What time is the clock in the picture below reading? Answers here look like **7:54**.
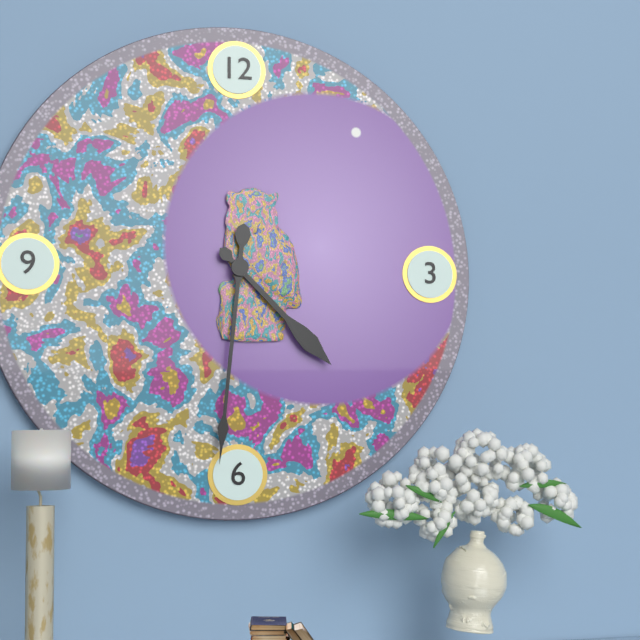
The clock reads **4:31**
